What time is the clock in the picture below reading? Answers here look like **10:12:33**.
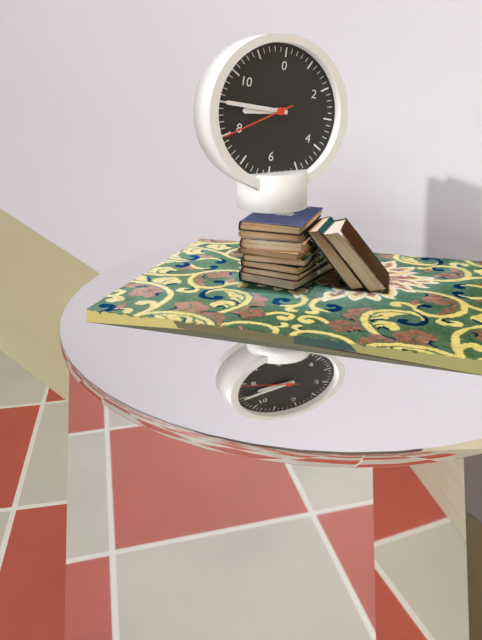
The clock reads **8:45:40**
